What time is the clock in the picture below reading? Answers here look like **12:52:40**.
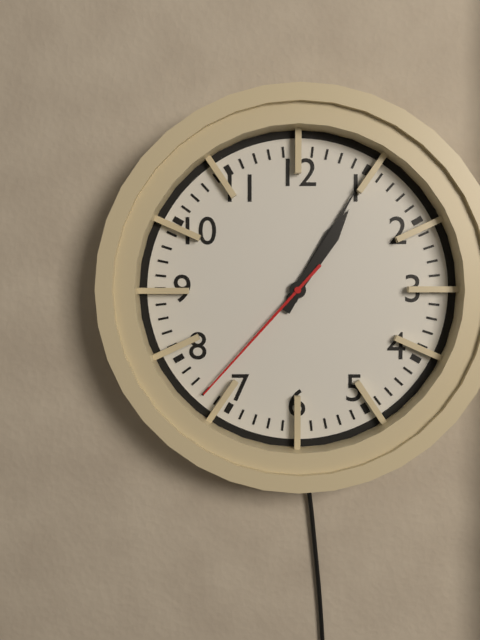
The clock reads **1:05:37**
